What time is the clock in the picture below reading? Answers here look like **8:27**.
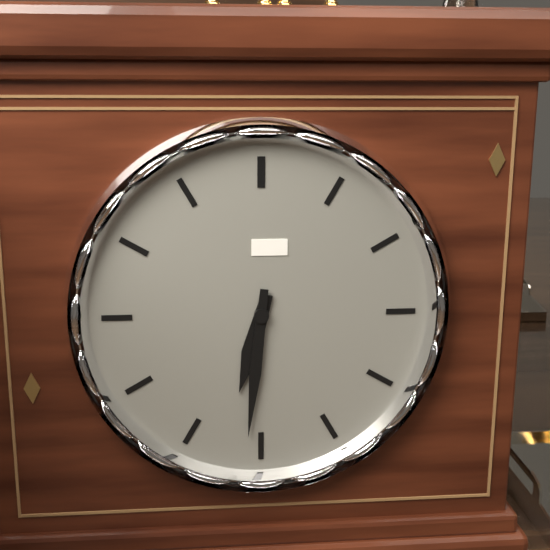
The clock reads **6:31**
